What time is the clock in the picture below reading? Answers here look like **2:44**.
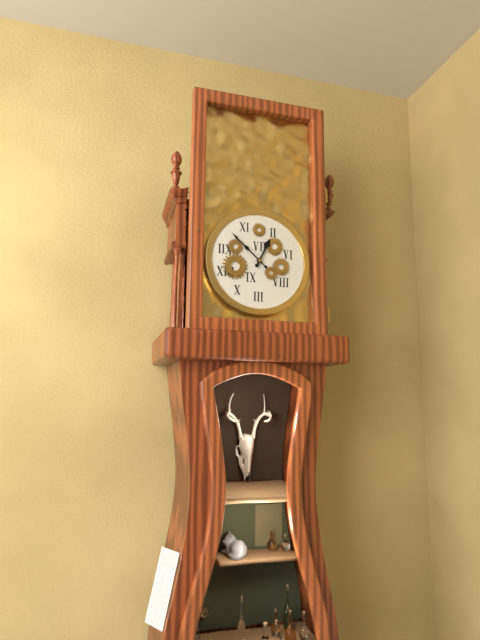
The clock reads **12:52**
